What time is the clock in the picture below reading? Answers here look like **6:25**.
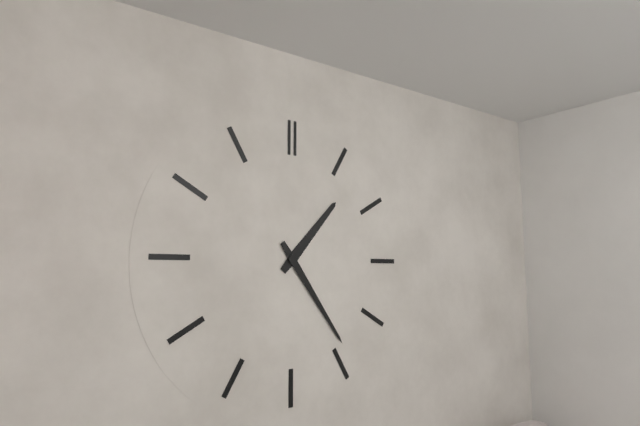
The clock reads **1:24**
